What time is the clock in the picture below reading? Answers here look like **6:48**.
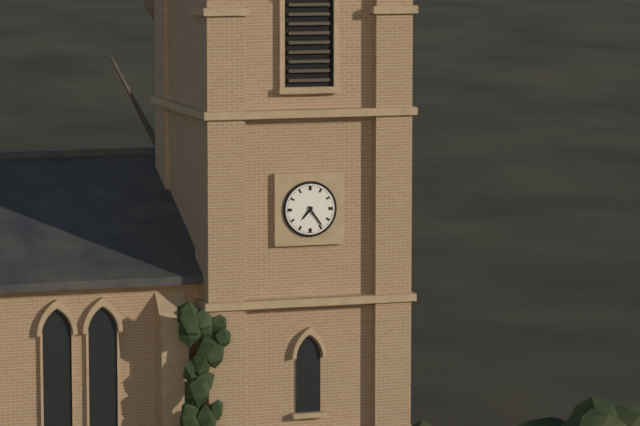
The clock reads **7:24**
